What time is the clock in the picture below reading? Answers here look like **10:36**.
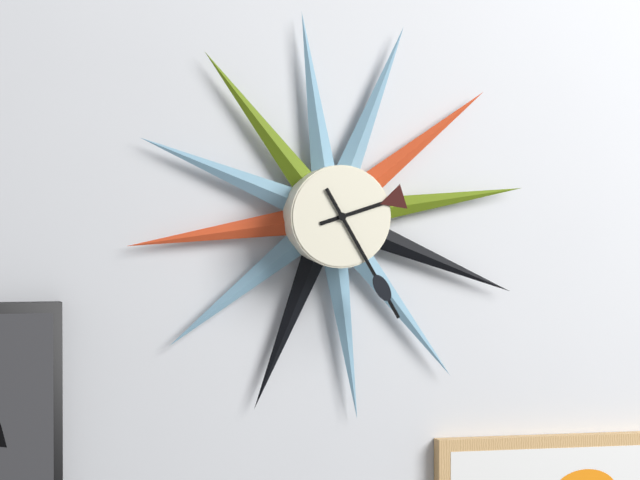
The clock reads **2:25**
